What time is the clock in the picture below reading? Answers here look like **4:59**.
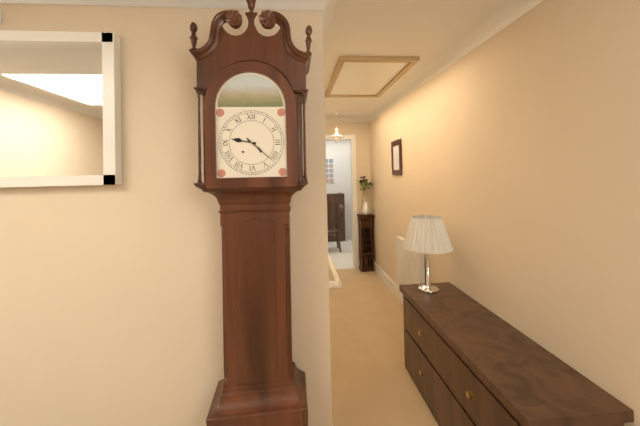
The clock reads **9:22**
